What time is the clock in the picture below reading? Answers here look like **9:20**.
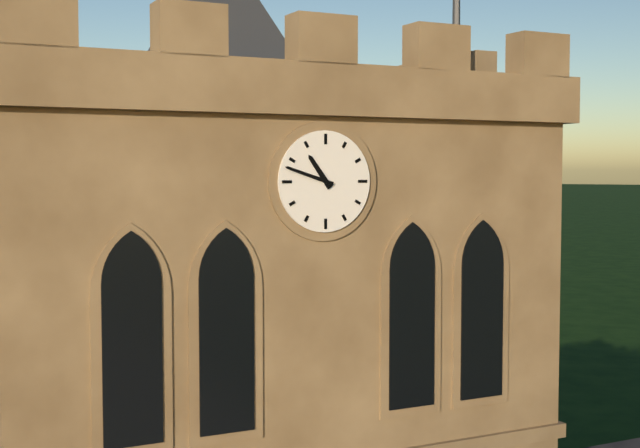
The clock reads **10:48**
